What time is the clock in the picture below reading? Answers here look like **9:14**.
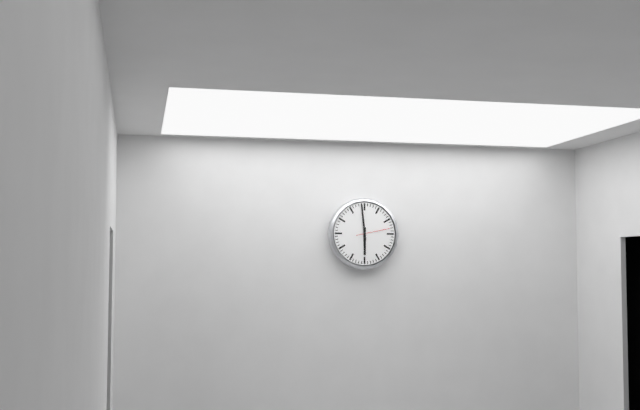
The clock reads **5:59**
